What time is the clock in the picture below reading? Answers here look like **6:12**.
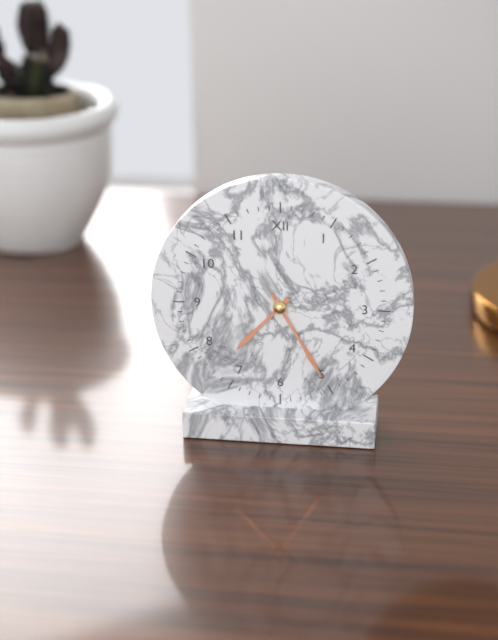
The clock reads **7:25**
